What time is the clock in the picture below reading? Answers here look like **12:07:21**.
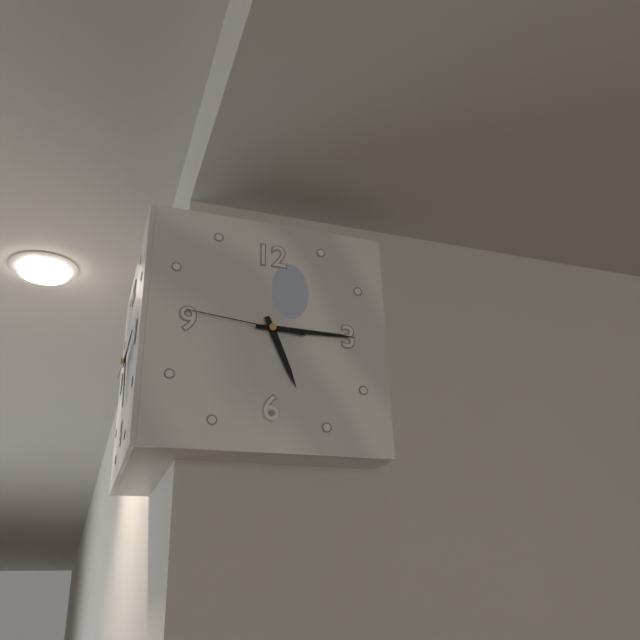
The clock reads **5:15:46**
